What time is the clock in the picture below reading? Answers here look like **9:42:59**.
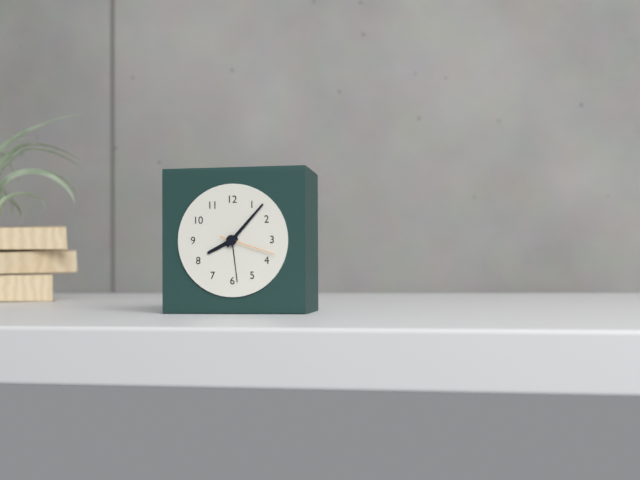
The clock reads **8:07:18**
